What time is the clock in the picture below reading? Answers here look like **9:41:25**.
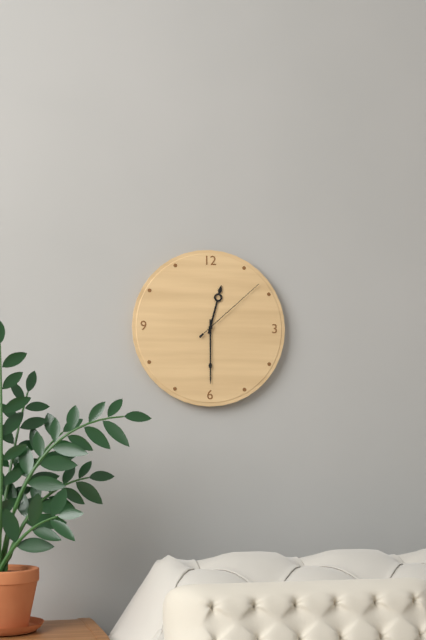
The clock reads **12:30:08**
